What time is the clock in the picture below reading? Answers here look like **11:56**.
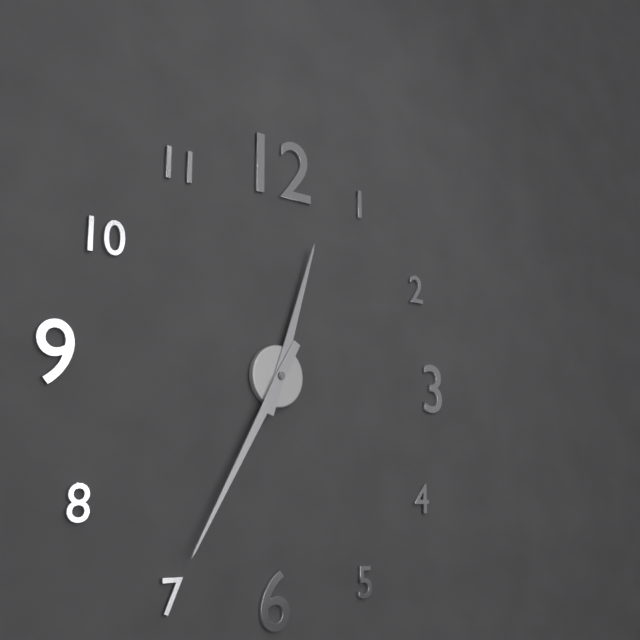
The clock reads **12:35**
